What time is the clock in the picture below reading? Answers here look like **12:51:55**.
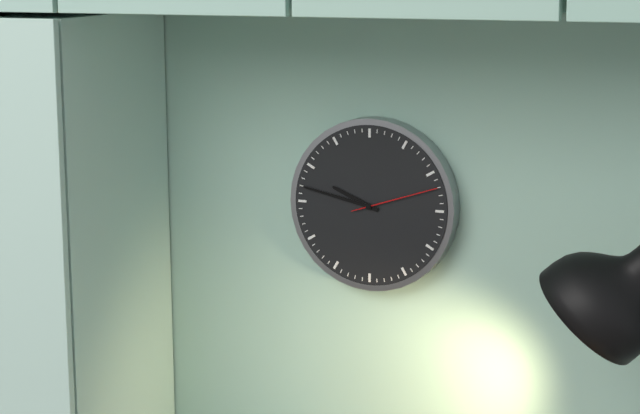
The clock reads **9:47:12**
